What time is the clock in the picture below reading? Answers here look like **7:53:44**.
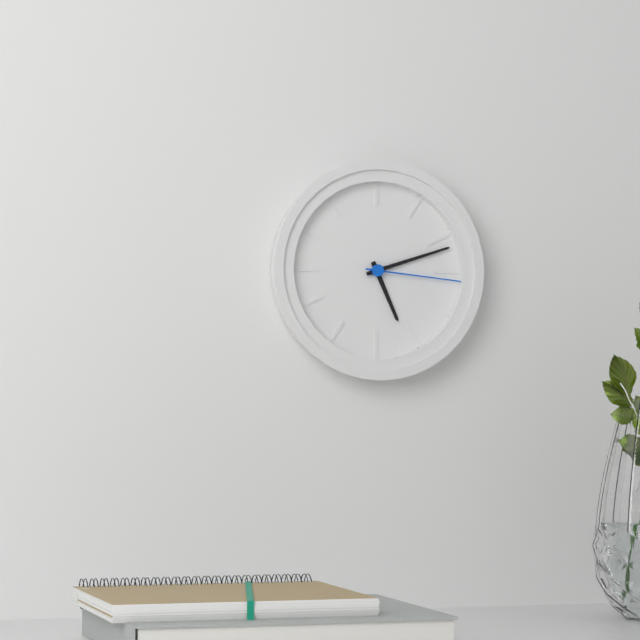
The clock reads **5:12:16**
